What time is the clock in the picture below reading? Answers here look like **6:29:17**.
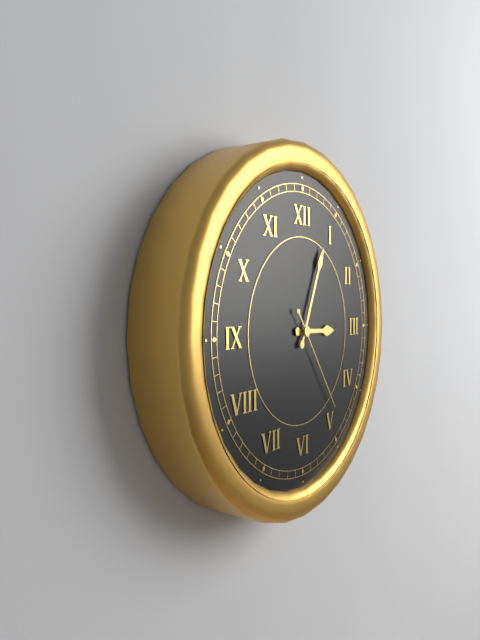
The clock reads **3:04:24**
